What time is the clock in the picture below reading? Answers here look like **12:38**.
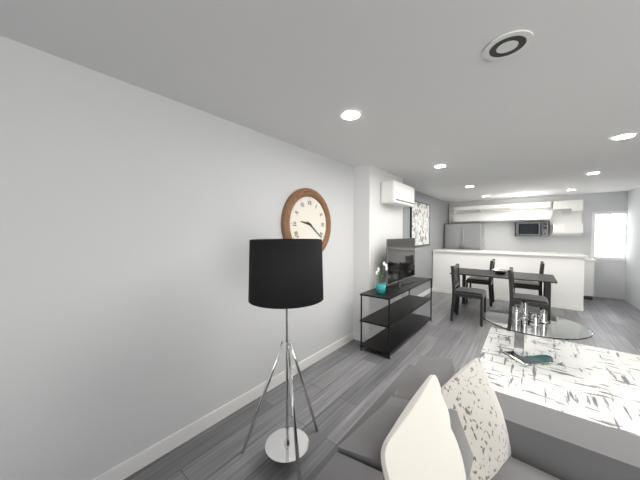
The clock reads **9:21**
